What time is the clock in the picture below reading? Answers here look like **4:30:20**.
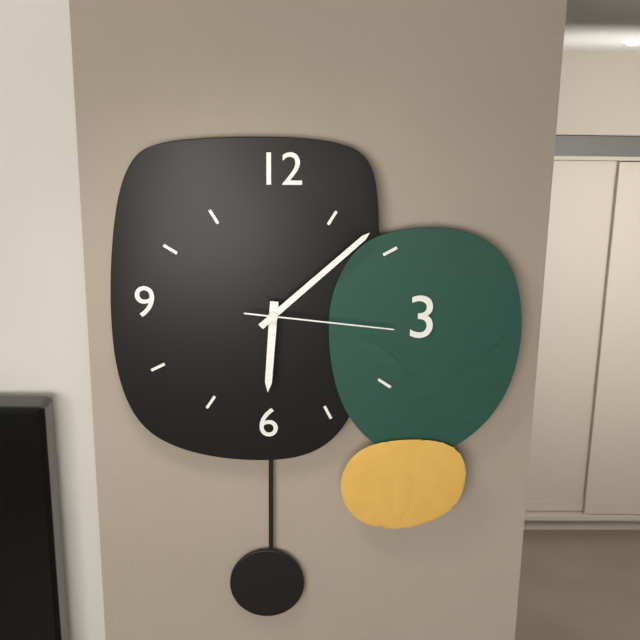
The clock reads **6:08:16**
